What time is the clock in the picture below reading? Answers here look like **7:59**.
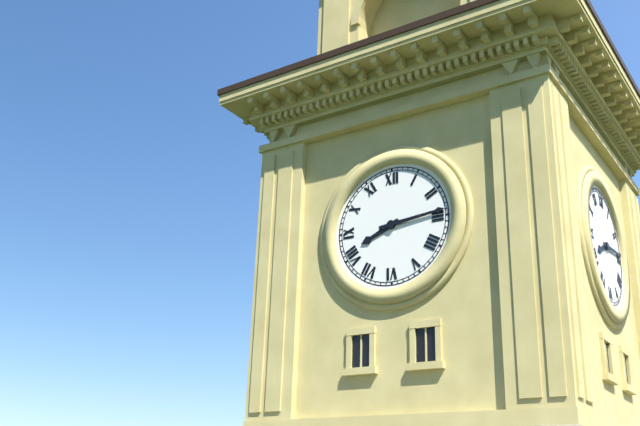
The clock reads **8:14**
